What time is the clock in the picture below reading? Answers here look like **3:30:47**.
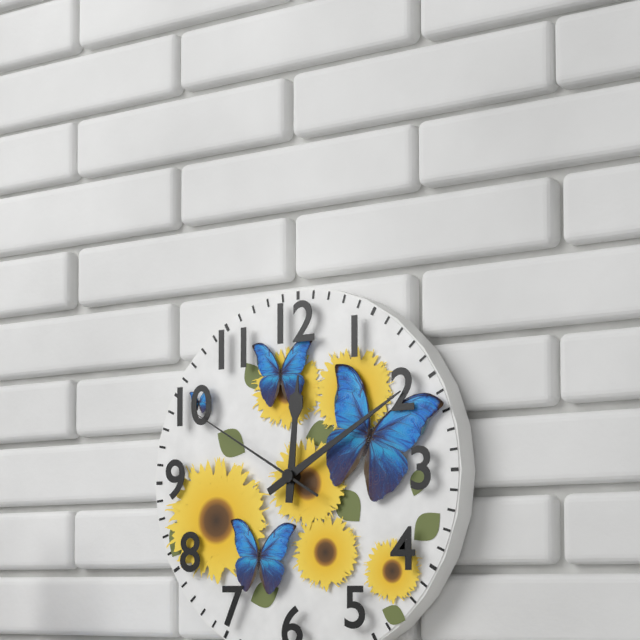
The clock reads **12:10:50**
